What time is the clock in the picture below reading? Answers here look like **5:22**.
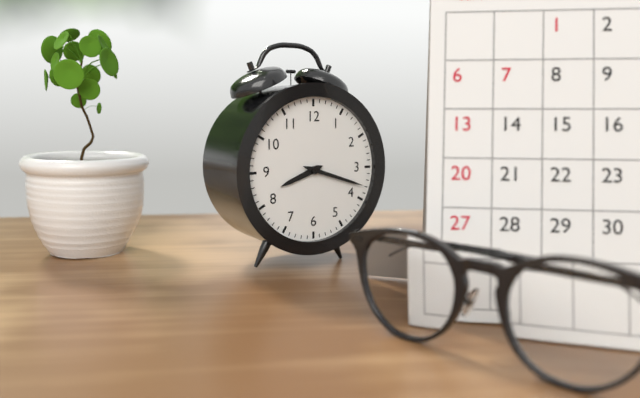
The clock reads **8:18**
